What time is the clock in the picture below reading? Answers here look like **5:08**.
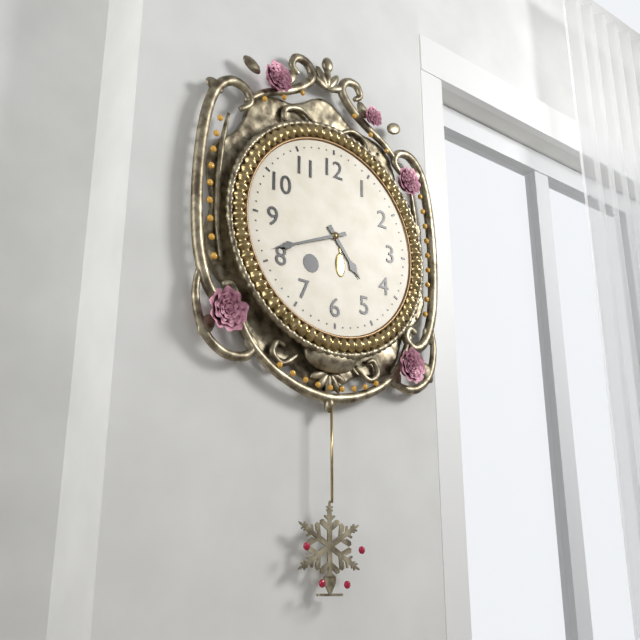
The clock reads **4:41**
